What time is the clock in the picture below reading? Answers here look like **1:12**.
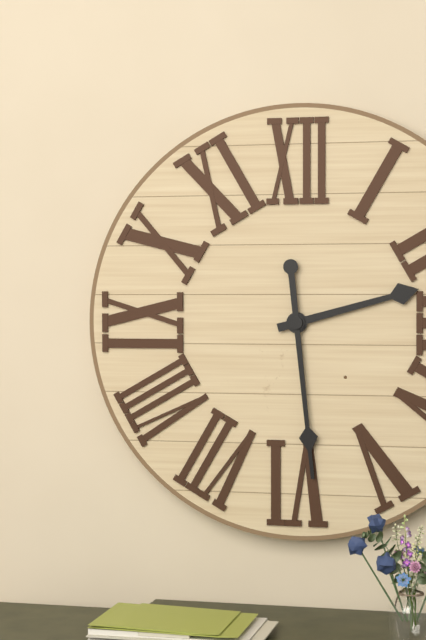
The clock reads **2:29**
